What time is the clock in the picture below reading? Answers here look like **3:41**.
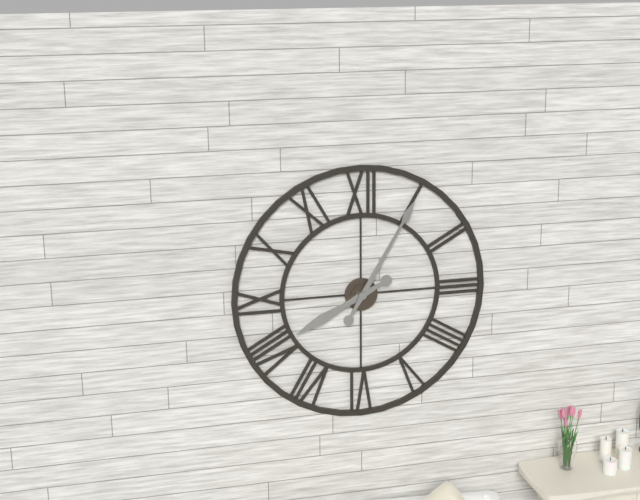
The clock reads **8:05**
